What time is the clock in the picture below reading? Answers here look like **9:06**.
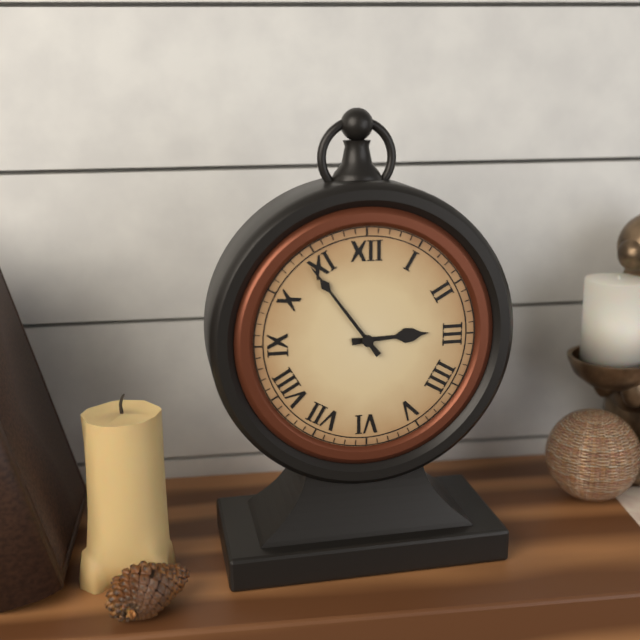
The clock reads **2:54**
